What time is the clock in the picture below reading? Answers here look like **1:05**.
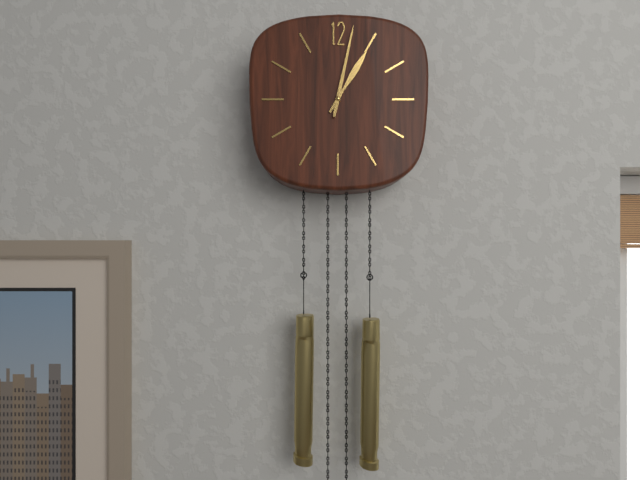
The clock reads **1:02**
